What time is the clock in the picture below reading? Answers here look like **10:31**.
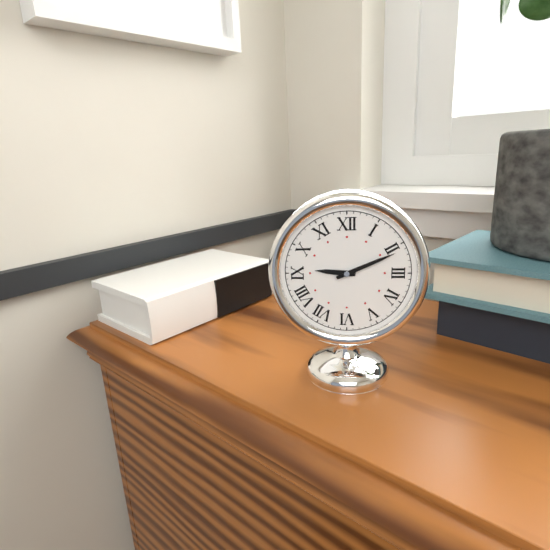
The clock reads **9:11**
